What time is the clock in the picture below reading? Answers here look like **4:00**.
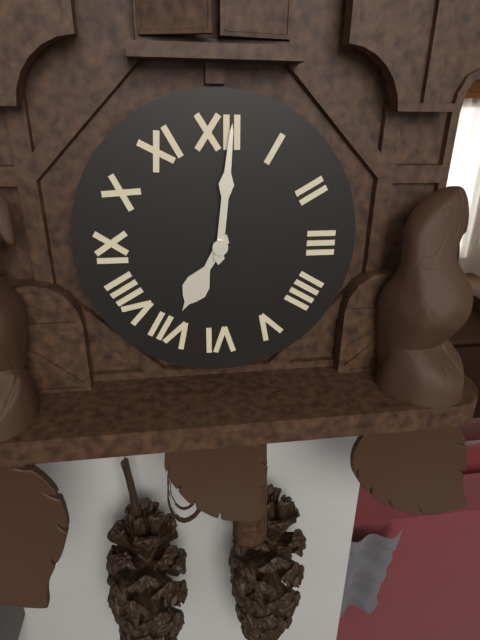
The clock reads **7:01**
